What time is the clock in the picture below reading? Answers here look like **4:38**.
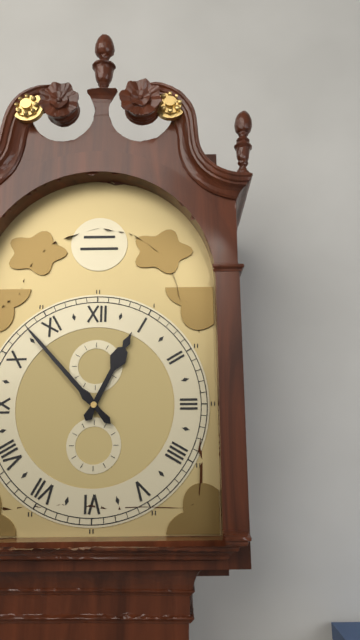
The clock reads **12:53**
